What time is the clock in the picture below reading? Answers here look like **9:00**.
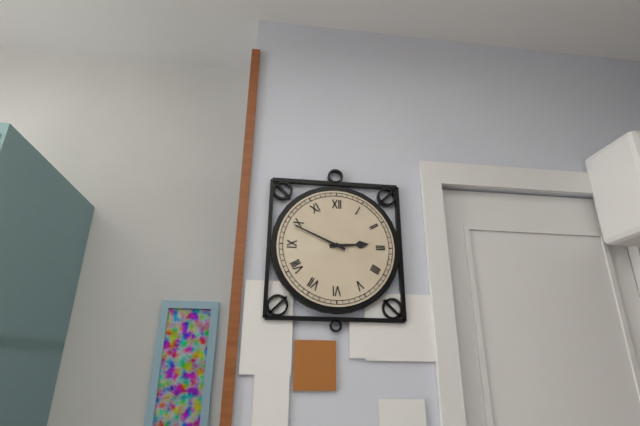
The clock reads **2:49**
